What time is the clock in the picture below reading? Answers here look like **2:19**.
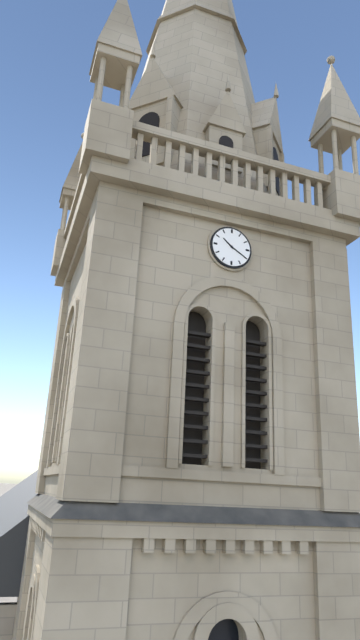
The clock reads **10:20**
